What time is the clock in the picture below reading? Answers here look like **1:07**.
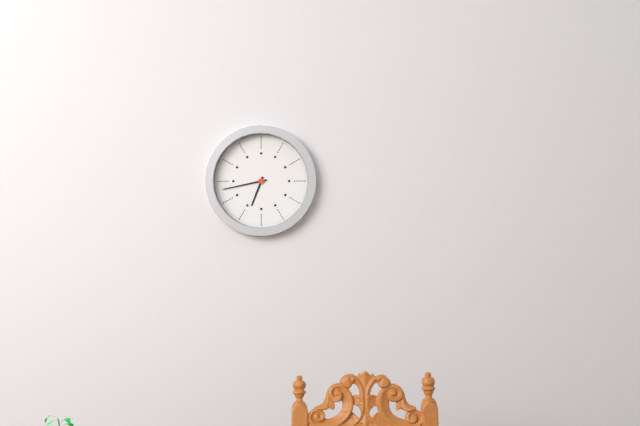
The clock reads **6:43**
